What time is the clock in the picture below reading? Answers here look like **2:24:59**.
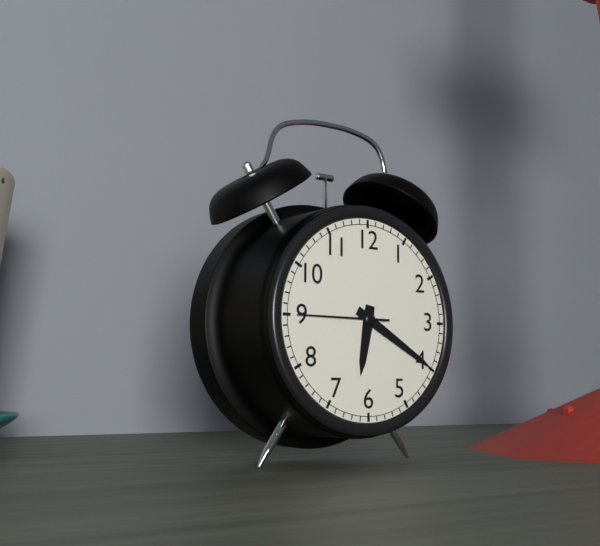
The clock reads **6:20:45**
